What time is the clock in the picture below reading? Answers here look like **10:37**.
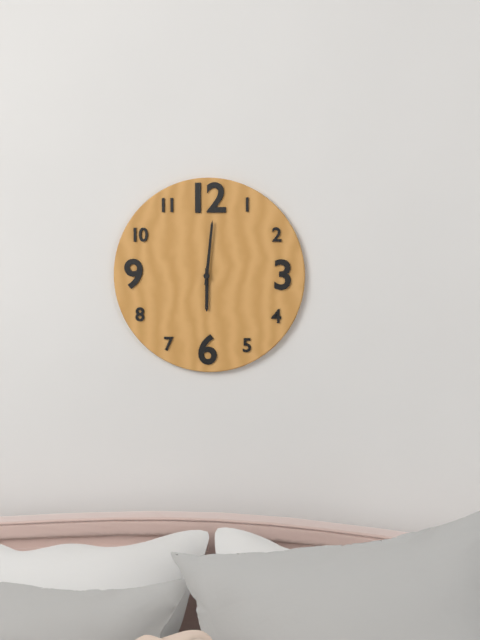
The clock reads **6:01**
